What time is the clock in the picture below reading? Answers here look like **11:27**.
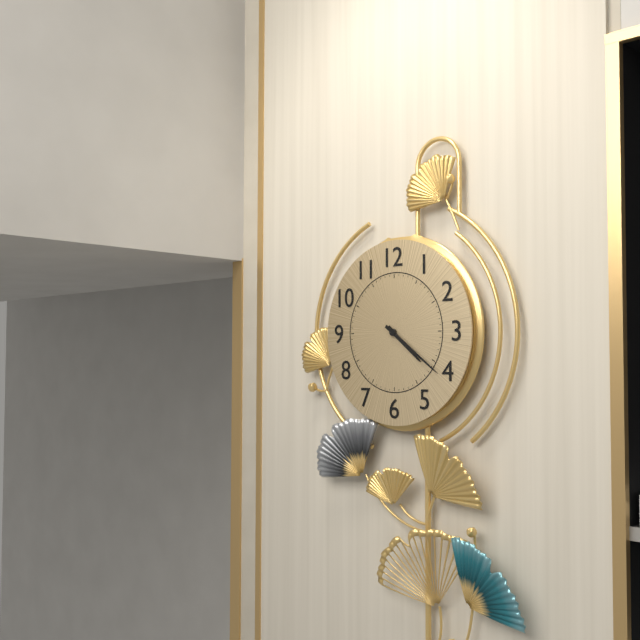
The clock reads **4:21**
